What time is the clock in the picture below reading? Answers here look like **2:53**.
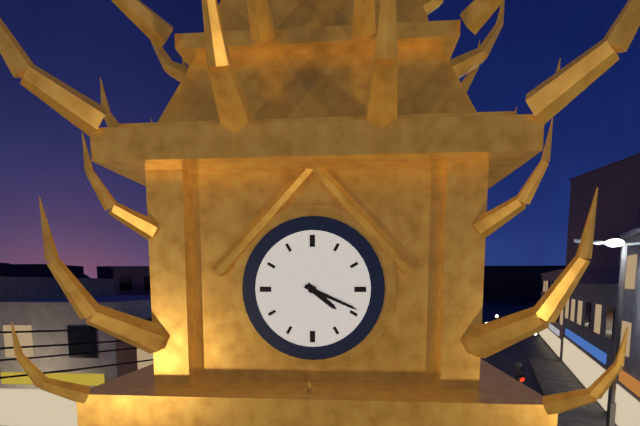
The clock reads **4:19**
